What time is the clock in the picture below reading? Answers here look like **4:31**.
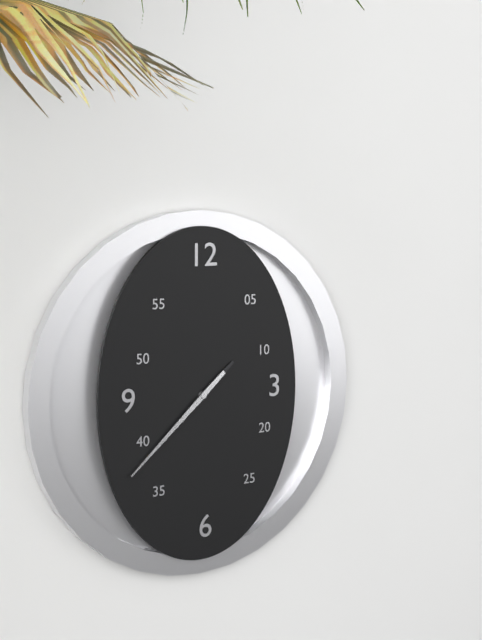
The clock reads **1:38**
